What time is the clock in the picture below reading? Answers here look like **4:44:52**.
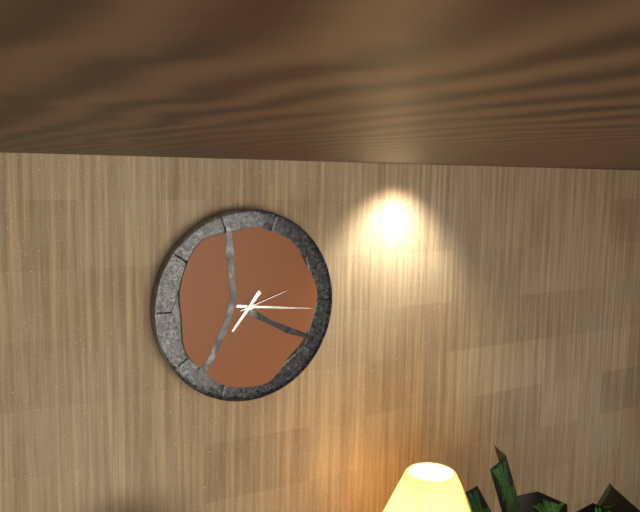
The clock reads **7:16:12**
